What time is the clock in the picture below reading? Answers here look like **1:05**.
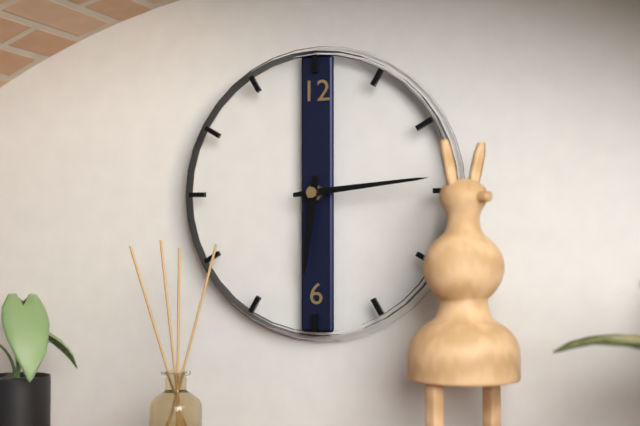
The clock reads **6:14**
